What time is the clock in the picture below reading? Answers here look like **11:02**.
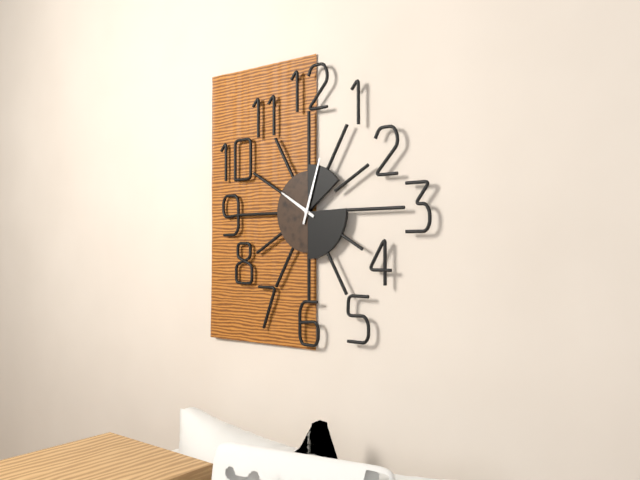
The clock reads **10:03**
